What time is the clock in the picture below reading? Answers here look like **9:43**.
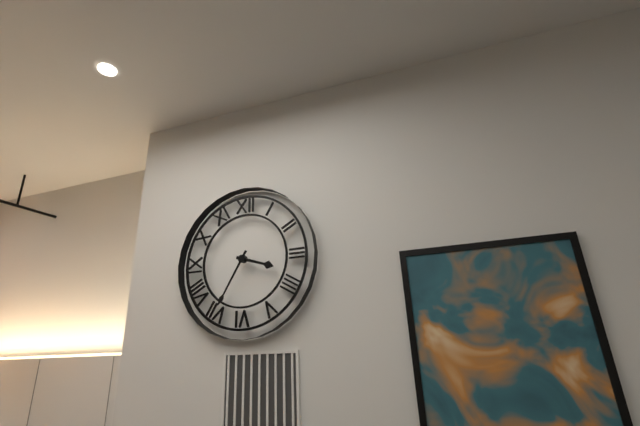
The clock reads **3:35**
